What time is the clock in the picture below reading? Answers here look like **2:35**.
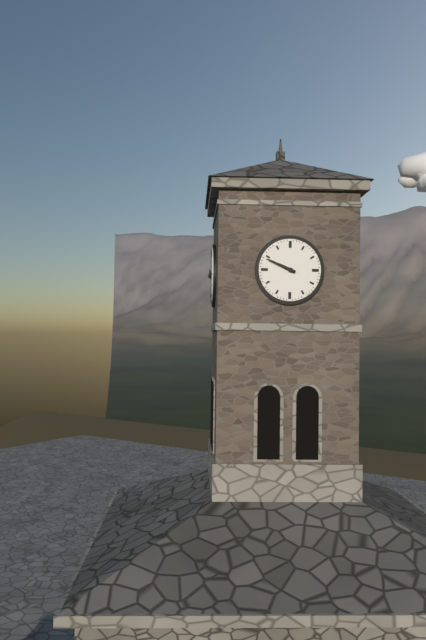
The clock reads **9:49**
